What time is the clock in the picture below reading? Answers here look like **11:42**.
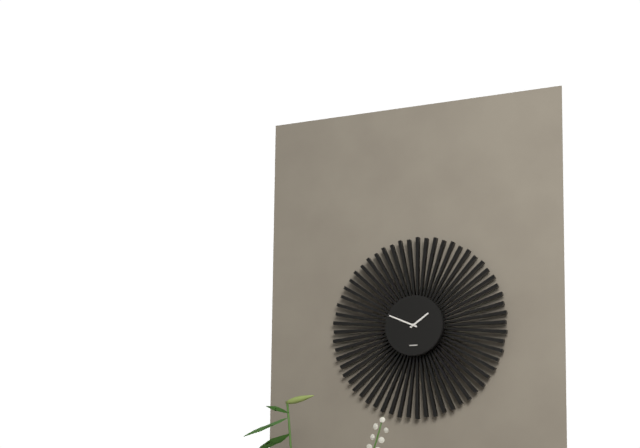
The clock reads **1:49**
